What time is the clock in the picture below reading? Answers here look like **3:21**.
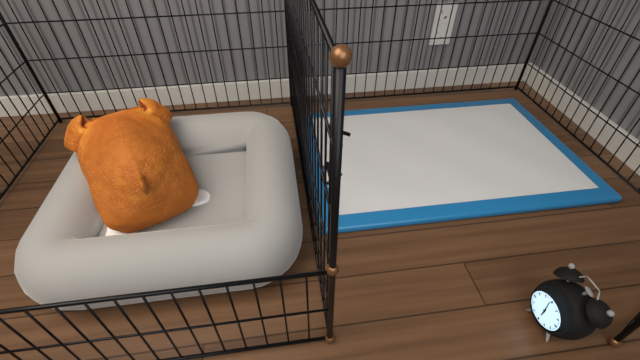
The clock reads **5:59**
